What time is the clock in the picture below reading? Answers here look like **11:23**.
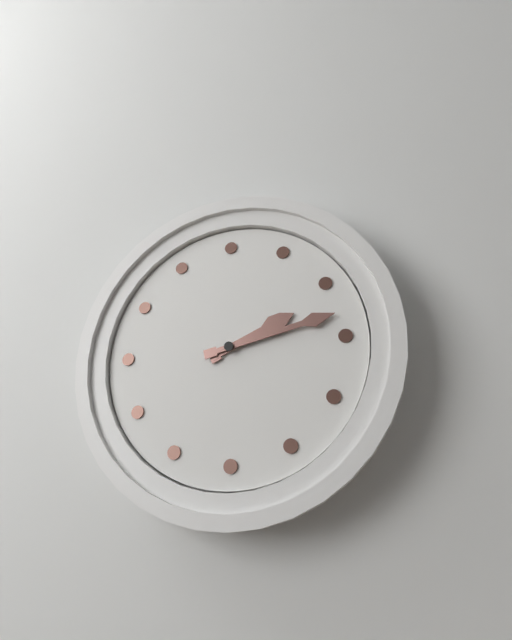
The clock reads **2:13**
